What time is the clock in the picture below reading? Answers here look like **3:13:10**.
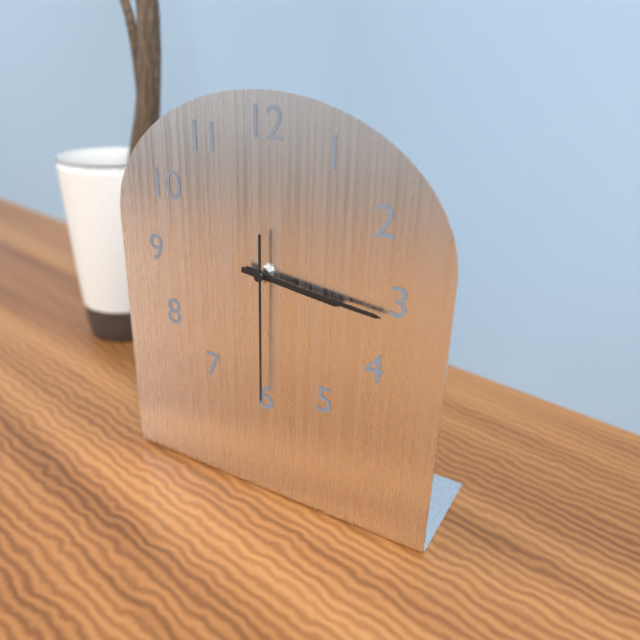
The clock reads **3:16:30**
